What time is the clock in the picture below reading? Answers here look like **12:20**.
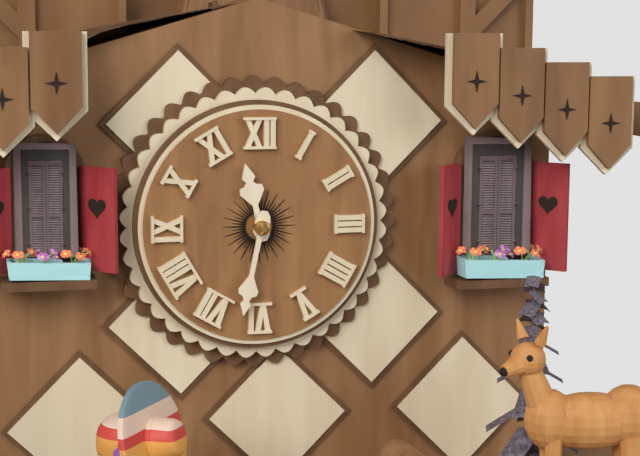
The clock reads **11:32**
